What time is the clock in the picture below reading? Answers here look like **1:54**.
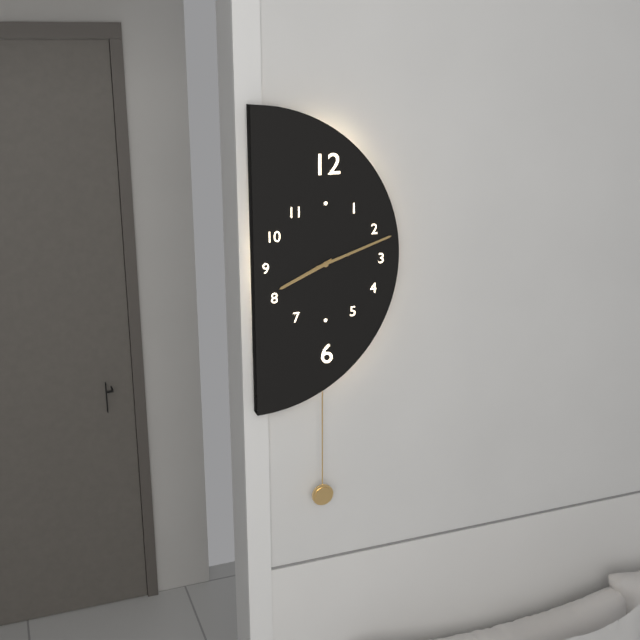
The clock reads **8:12**
